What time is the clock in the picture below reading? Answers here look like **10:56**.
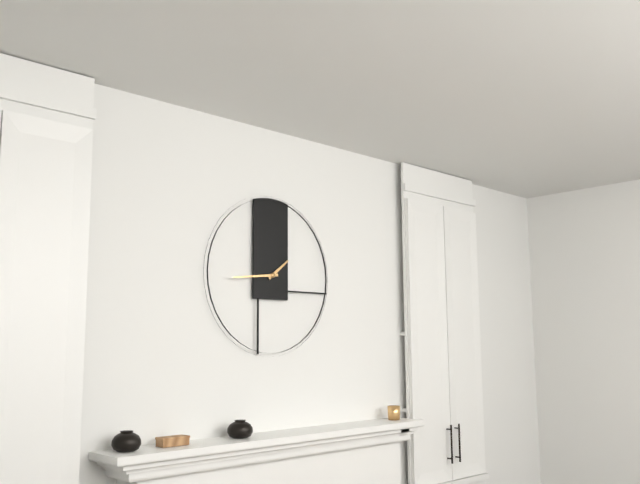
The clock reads **1:44**
